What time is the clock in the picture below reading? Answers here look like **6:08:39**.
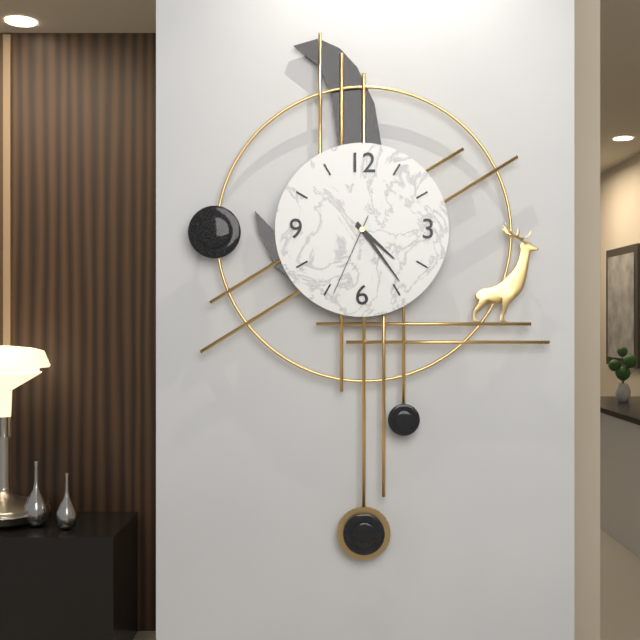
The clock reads **4:24:34**
